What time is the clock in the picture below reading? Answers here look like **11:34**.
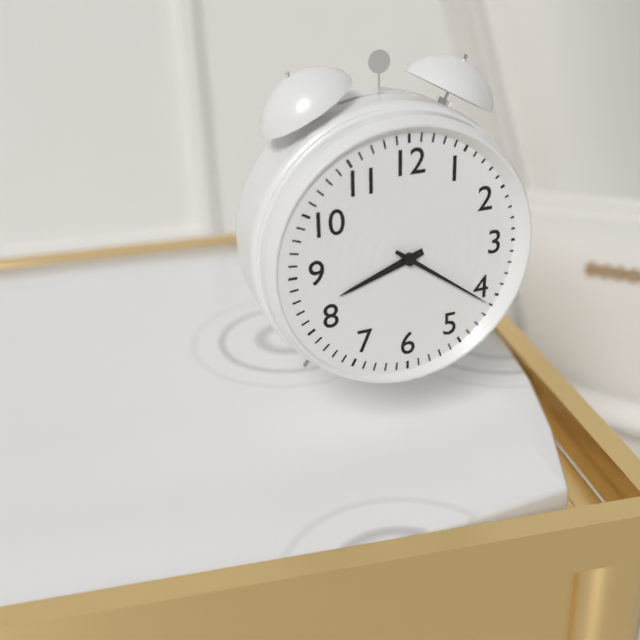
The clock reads **8:21**
